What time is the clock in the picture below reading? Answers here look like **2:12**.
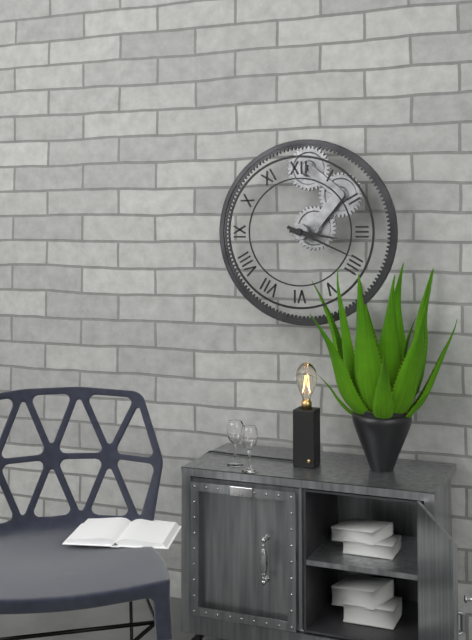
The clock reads **3:19**
